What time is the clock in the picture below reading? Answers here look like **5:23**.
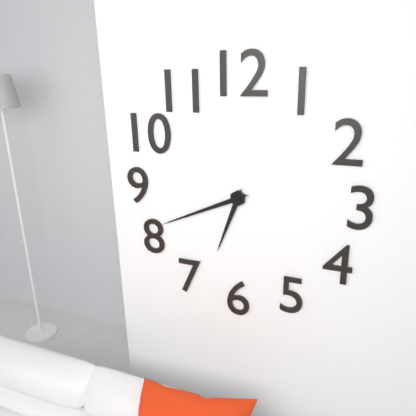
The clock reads **6:41**
